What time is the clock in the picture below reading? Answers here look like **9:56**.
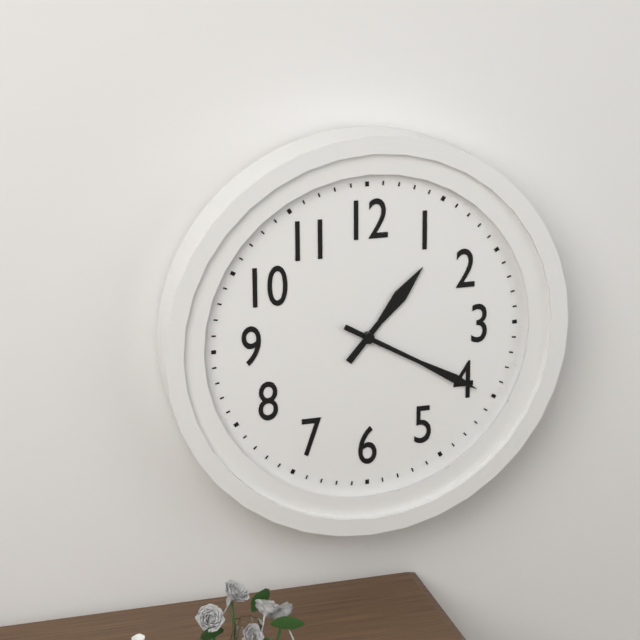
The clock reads **1:20**
